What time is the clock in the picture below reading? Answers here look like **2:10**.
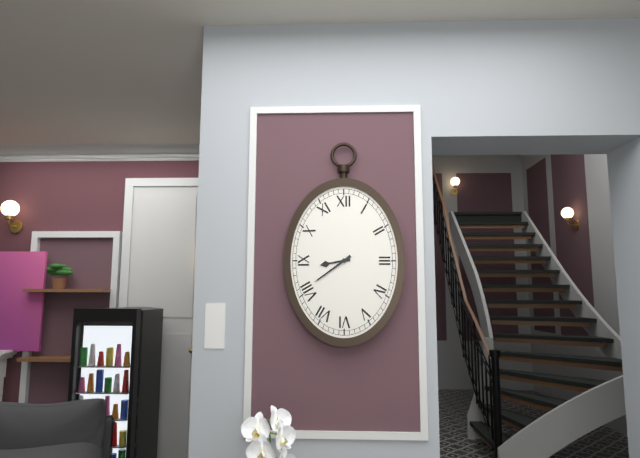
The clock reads **8:39**
